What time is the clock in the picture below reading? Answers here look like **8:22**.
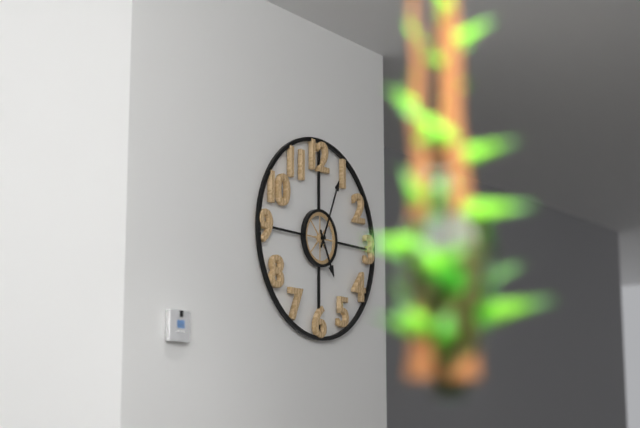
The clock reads **5:04**
